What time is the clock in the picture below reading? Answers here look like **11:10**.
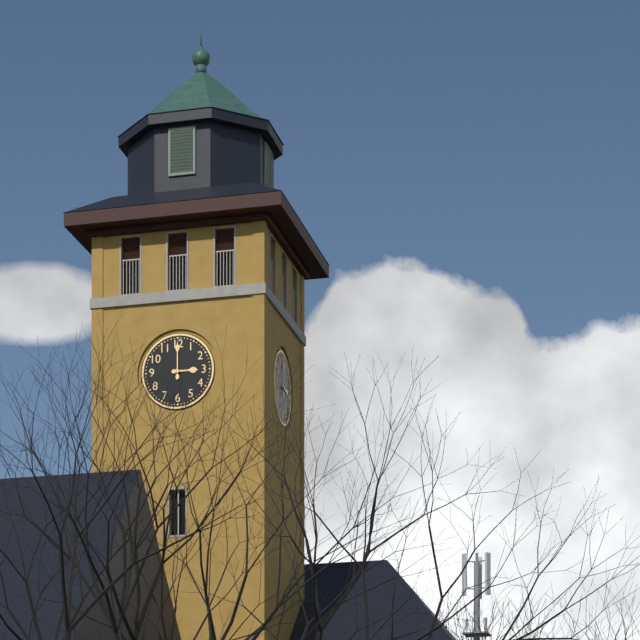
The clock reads **3:00**
